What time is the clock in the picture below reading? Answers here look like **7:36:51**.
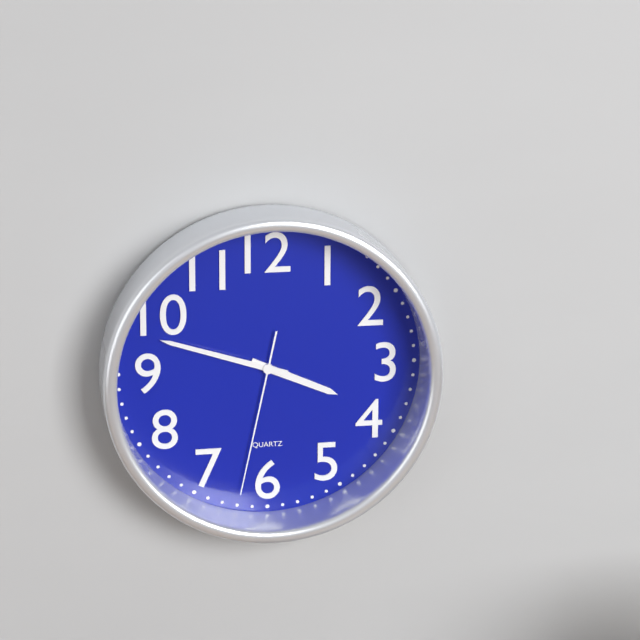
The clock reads **3:48:32**
